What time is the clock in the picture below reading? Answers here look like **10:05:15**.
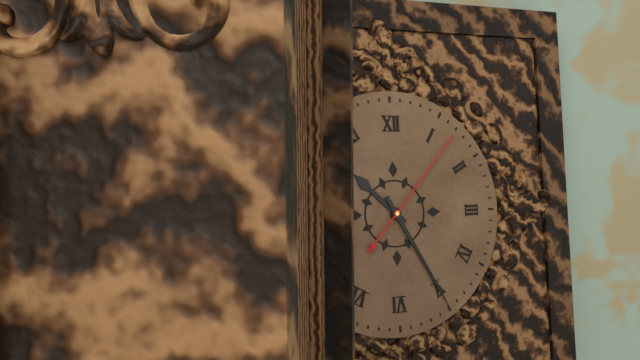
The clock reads **10:25:07**
